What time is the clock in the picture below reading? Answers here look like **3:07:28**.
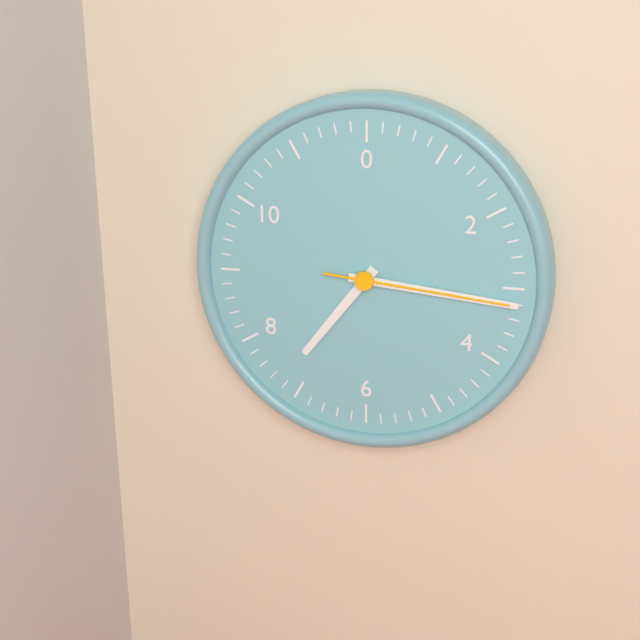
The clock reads **7:16:16**
